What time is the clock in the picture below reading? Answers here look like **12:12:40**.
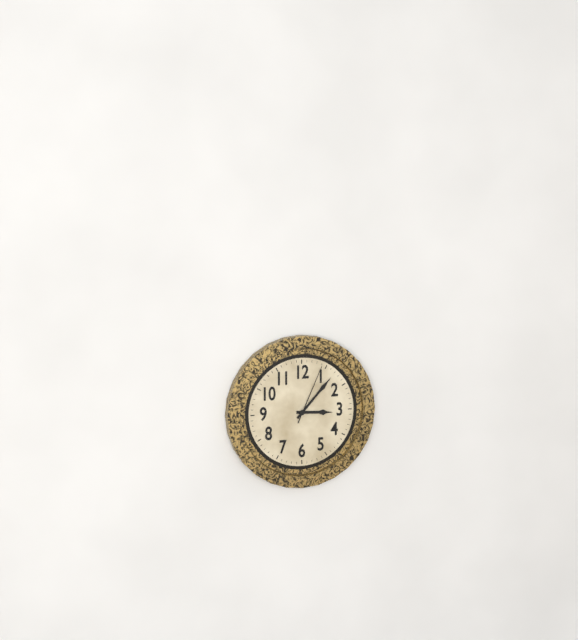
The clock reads **3:07:04**
